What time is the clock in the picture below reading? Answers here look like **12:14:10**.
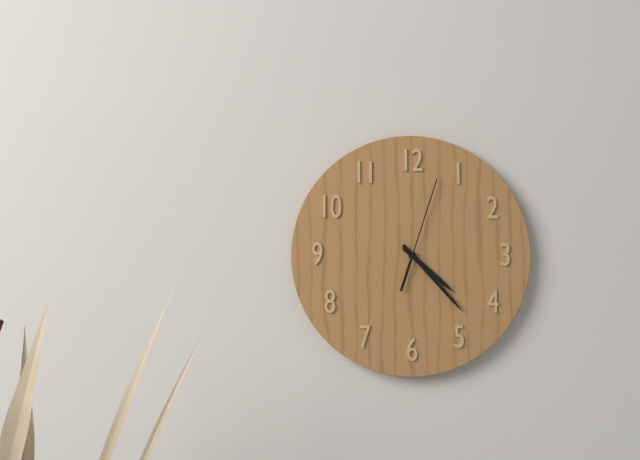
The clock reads **4:23:03**
